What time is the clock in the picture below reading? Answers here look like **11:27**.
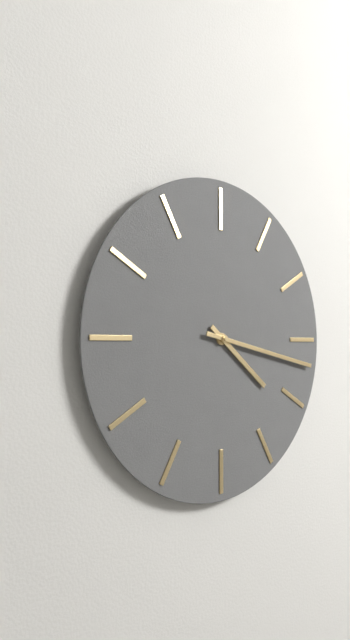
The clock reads **4:17**
